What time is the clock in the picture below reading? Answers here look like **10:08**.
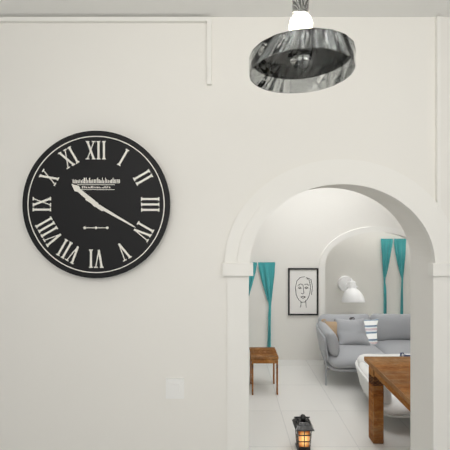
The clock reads **10:20**
